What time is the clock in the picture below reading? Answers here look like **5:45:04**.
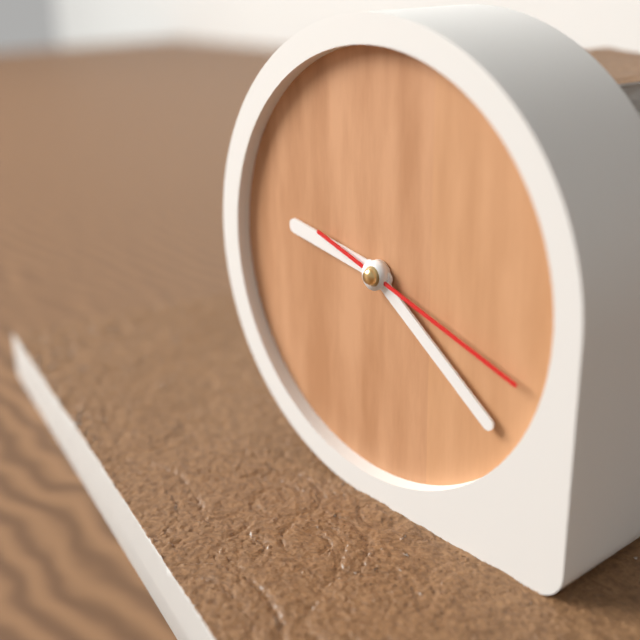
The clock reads **9:21:18**
